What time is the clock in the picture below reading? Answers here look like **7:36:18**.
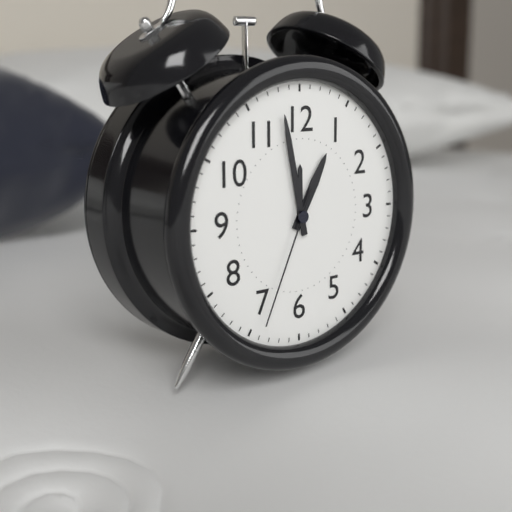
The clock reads **12:58:34**
